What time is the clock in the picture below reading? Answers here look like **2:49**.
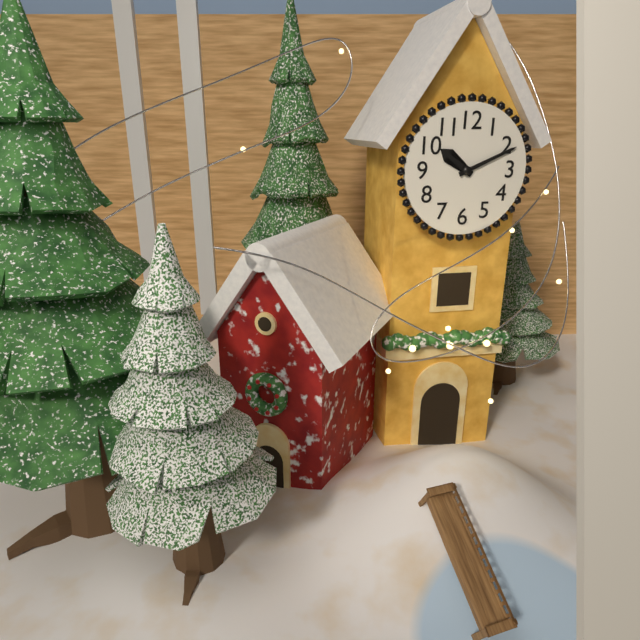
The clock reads **10:11**
